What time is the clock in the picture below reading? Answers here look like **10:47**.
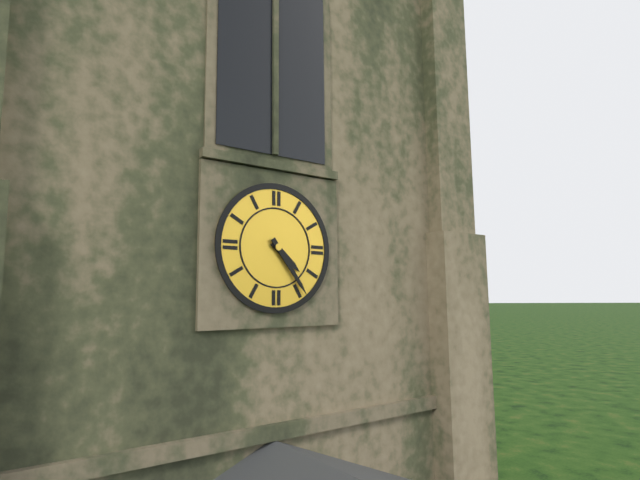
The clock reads **4:24**
